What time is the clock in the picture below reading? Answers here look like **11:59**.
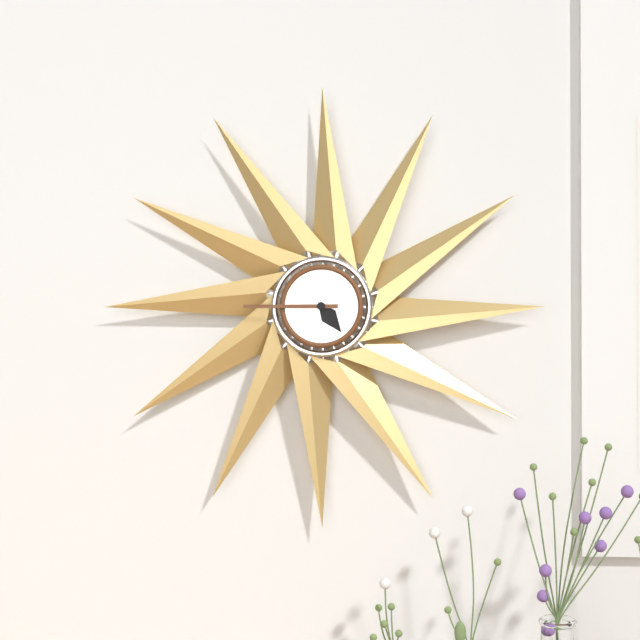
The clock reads **4:45**
